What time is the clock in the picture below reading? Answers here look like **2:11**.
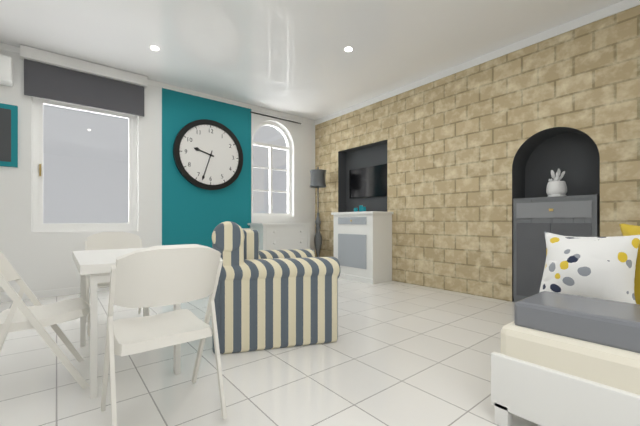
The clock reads **9:33**
